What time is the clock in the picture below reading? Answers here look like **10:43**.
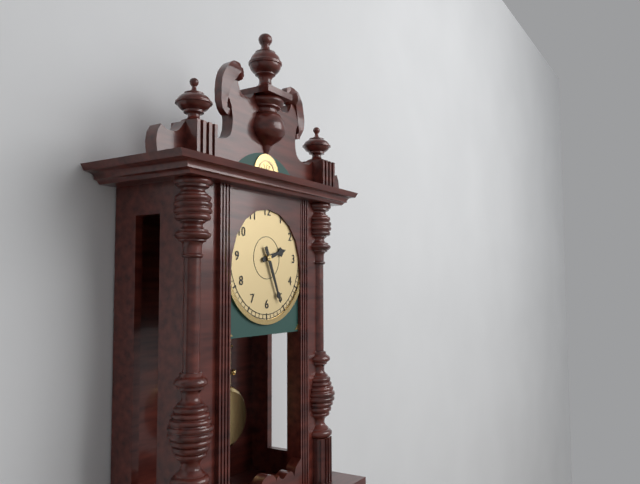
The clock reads **2:26**
